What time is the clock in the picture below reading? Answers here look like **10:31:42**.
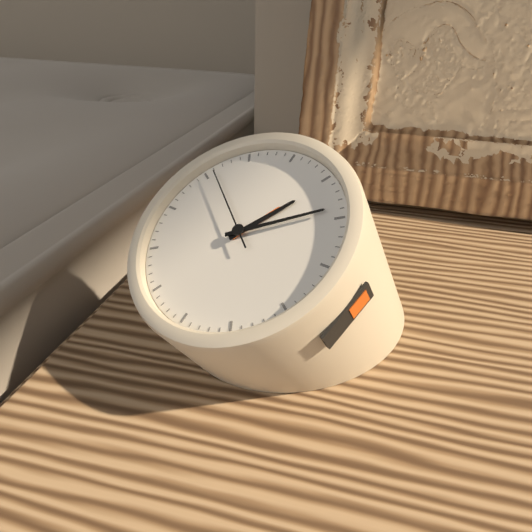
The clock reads **1:09:51**
